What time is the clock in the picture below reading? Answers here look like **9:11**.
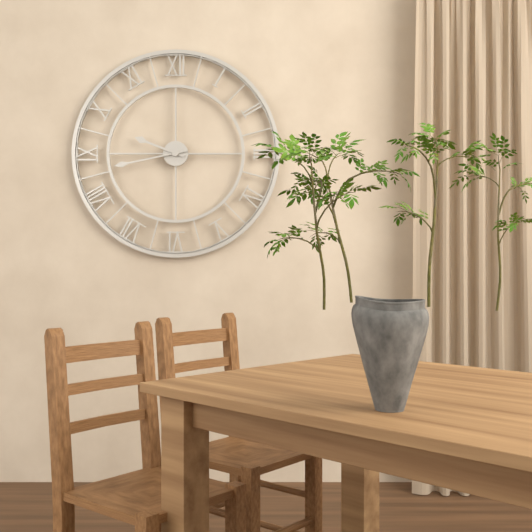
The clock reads **9:43**
